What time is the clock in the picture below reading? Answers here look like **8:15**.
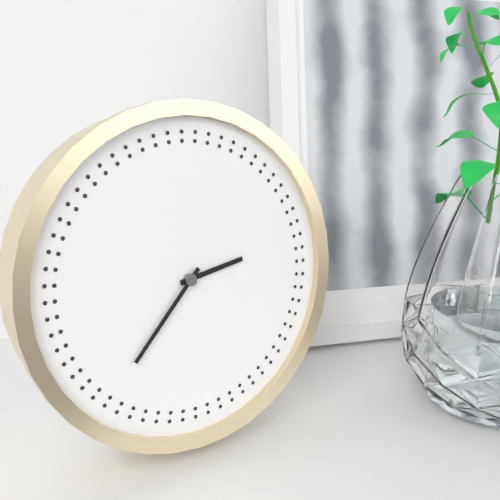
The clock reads **2:37**
